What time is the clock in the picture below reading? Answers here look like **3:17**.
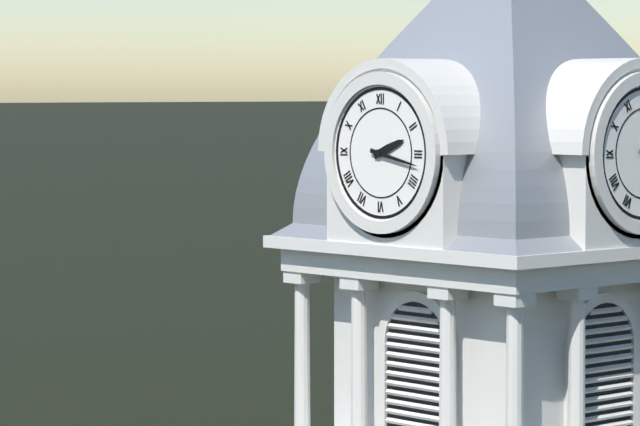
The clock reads **2:17**
